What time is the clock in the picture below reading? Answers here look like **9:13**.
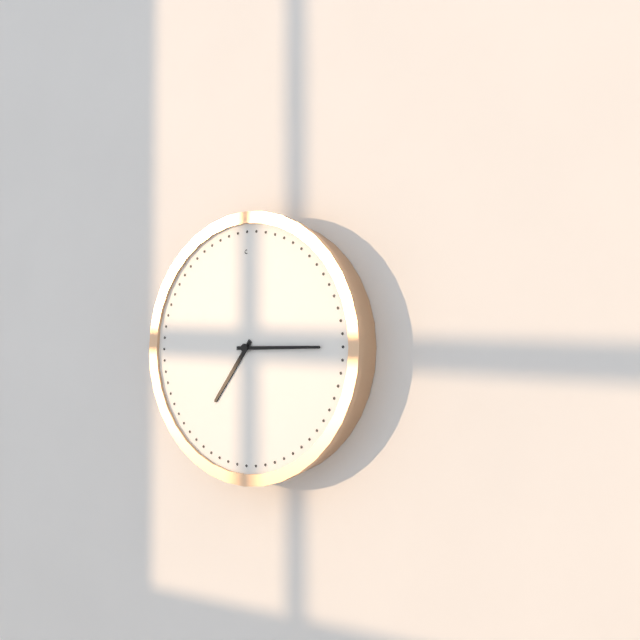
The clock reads **7:15**
